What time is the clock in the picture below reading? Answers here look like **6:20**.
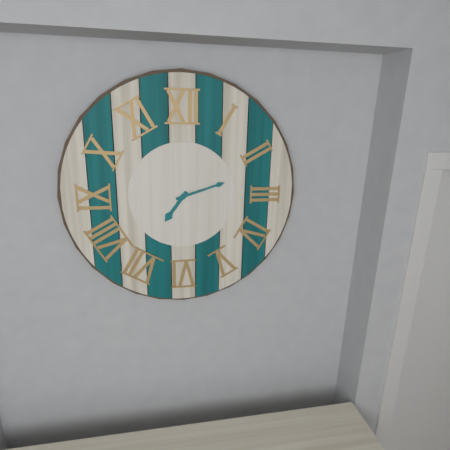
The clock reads **7:12**
